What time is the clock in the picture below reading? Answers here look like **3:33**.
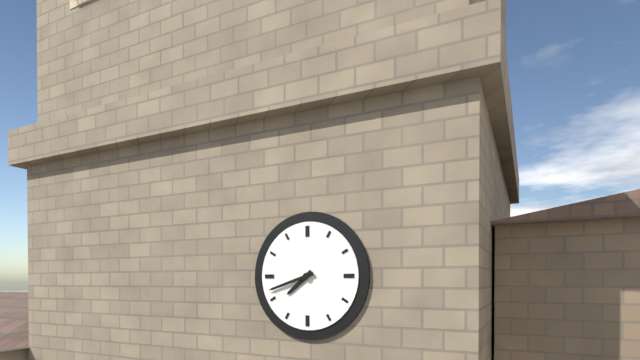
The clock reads **7:42**
